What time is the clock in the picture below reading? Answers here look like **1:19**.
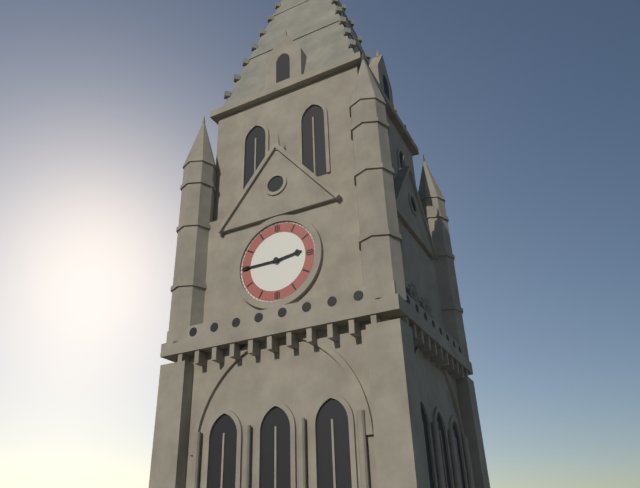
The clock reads **2:45**
